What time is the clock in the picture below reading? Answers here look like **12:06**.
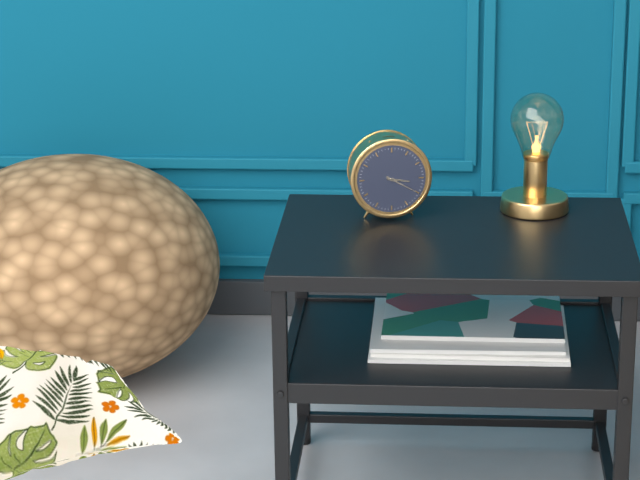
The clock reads **3:20**
